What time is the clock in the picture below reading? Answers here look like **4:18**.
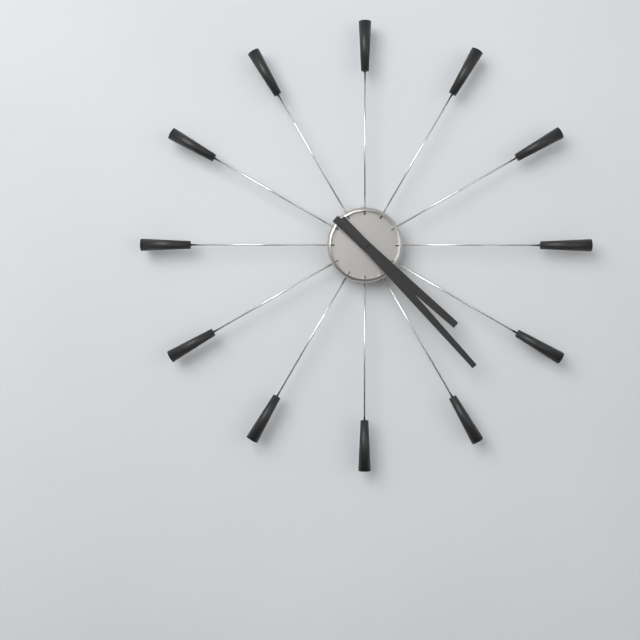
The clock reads **4:23**
